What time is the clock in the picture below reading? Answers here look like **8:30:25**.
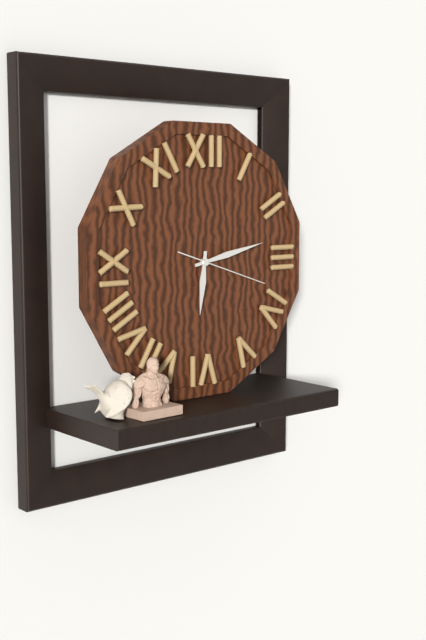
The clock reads **6:13:18**
